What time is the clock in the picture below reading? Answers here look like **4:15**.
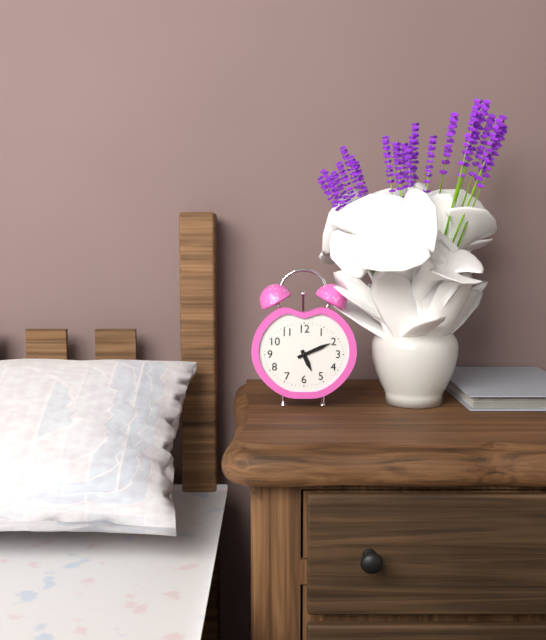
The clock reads **5:11**
